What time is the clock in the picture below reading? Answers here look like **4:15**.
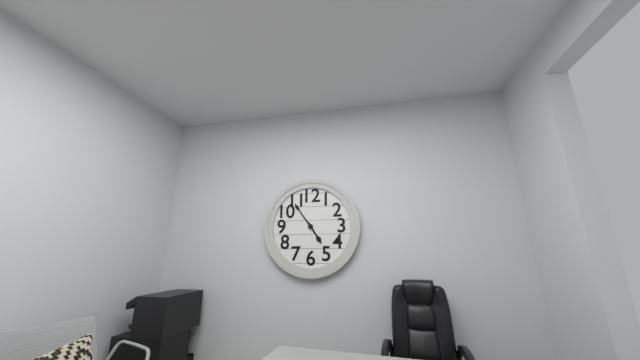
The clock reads **4:54**
